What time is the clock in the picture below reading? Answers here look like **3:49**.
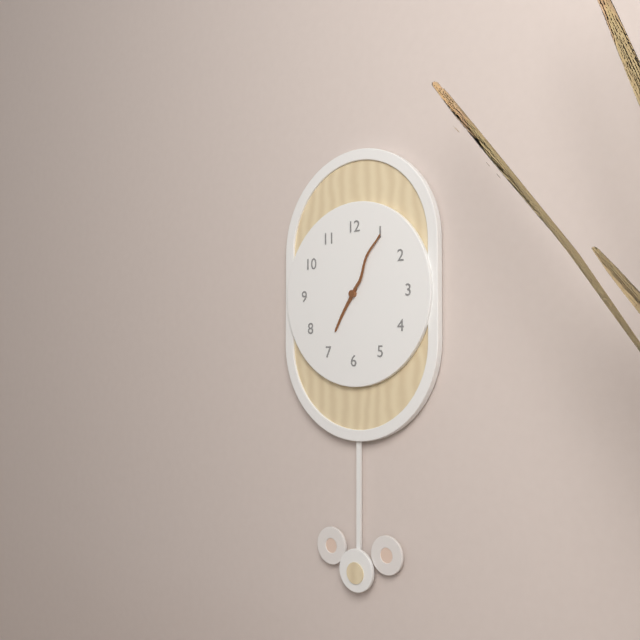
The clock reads **7:05**
